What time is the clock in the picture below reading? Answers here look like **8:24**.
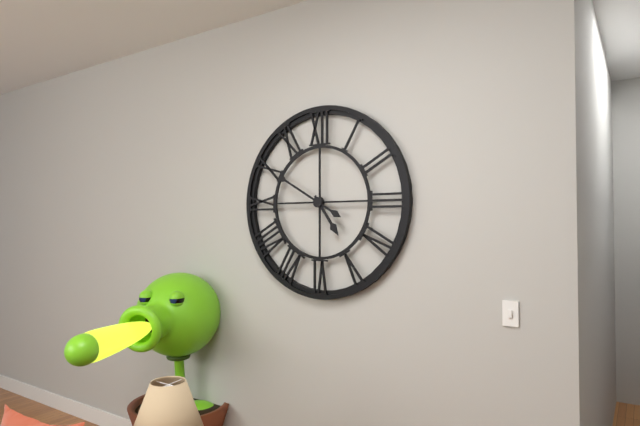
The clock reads **4:50**
